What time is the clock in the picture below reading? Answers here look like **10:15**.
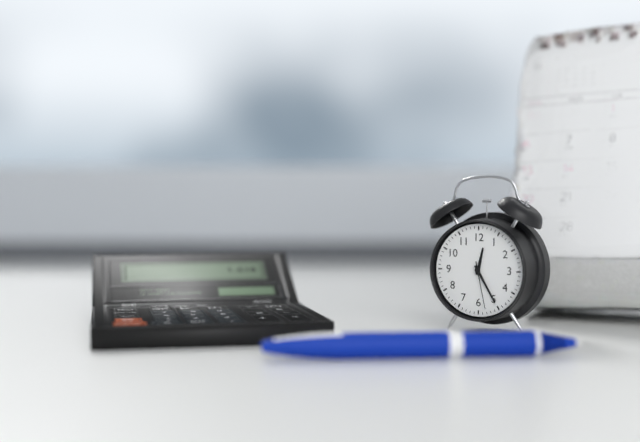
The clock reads **12:25**
